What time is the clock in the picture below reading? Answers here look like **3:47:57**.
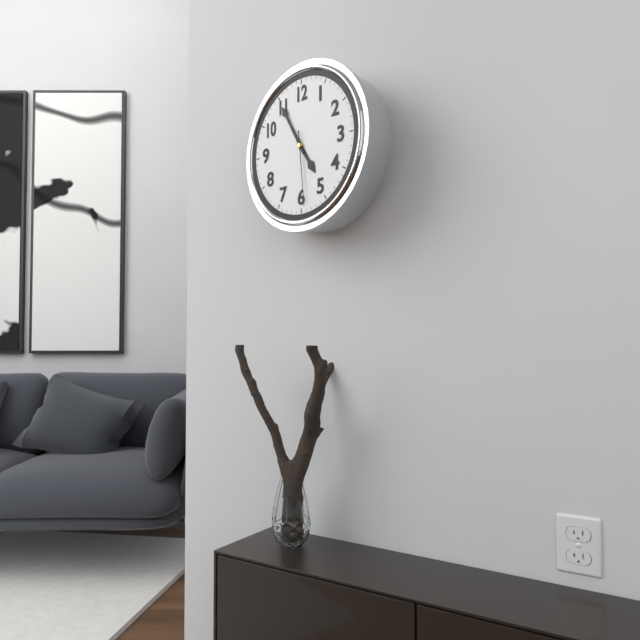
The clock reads **4:55:29**
